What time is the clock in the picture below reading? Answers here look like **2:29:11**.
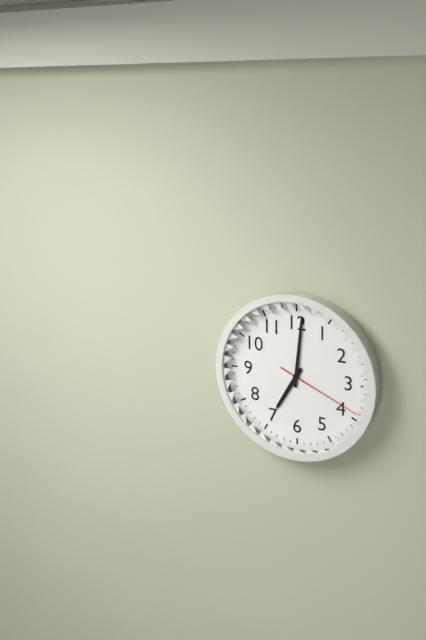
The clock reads **7:01:19**
